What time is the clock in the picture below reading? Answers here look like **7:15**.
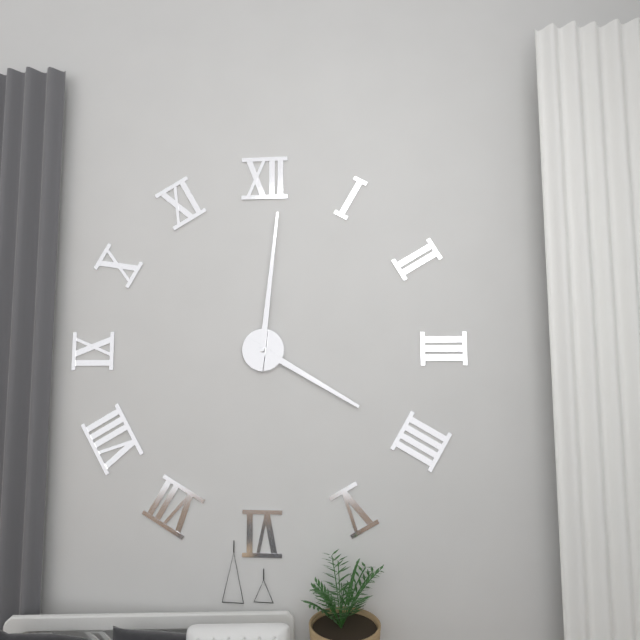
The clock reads **4:01**
